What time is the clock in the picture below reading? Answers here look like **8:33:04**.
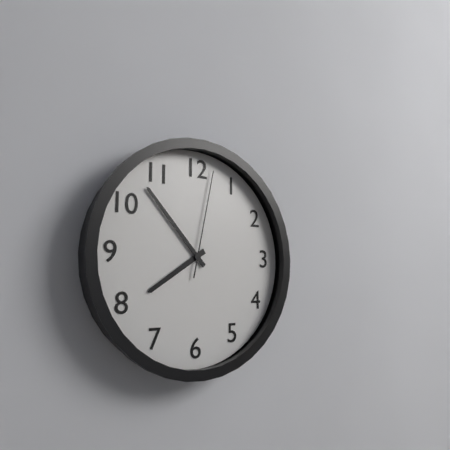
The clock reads **7:53:02**
